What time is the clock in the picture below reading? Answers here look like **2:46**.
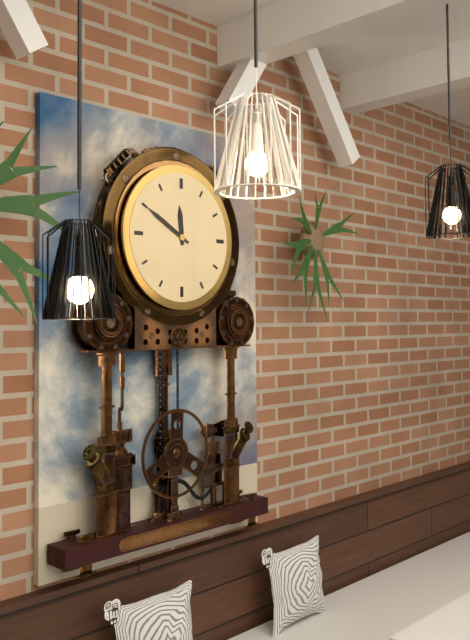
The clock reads **11:50**
